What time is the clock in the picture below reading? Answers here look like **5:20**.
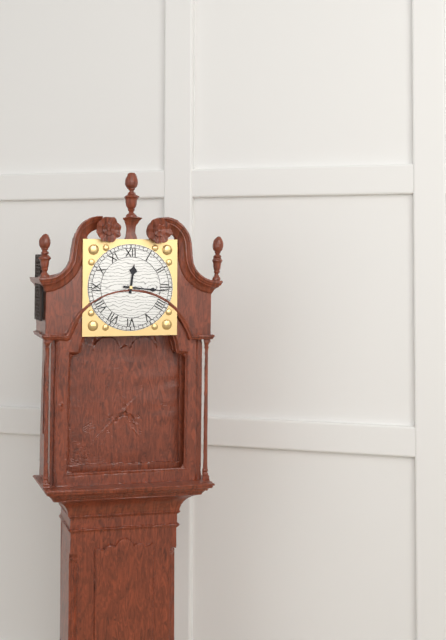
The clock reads **12:16**
